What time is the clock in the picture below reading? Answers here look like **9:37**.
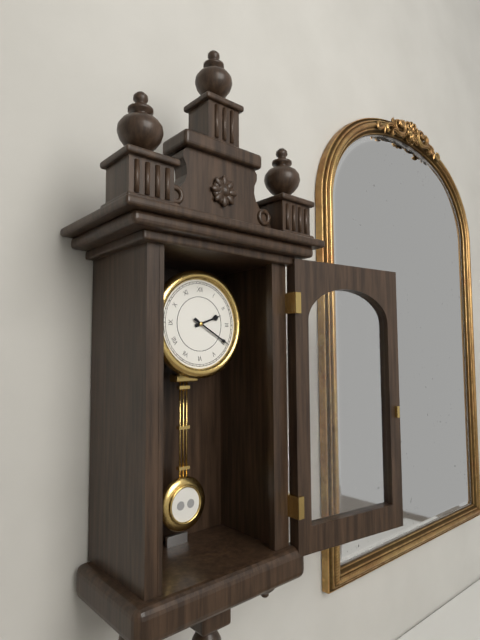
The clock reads **2:20**
